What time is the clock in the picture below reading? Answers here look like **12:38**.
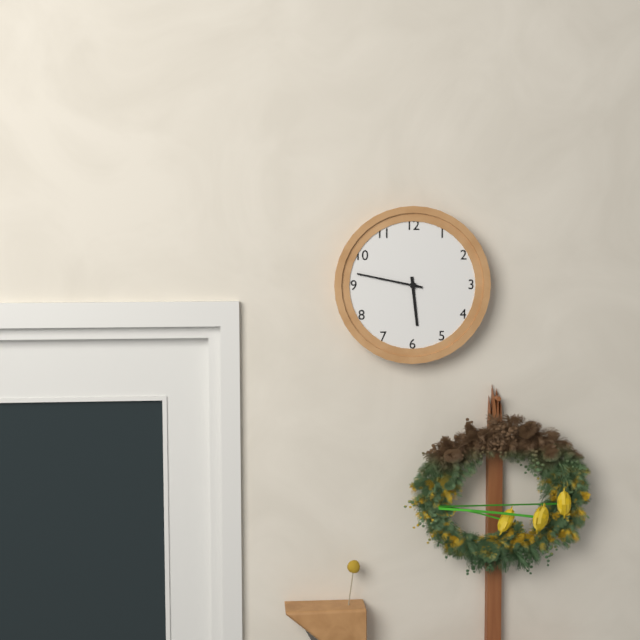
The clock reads **5:47**
